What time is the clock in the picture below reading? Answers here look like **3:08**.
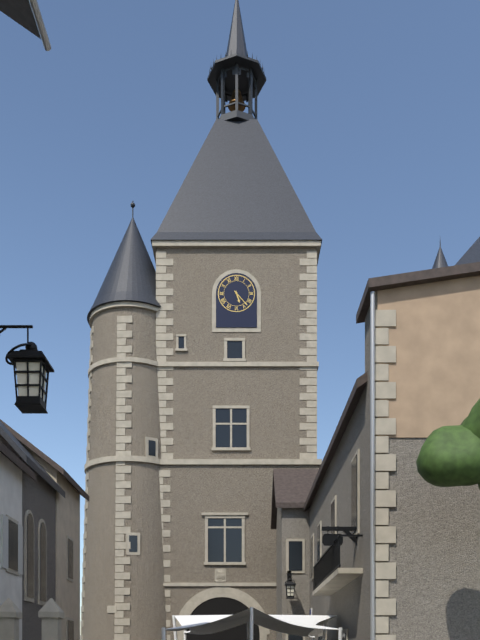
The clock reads **5:23**
